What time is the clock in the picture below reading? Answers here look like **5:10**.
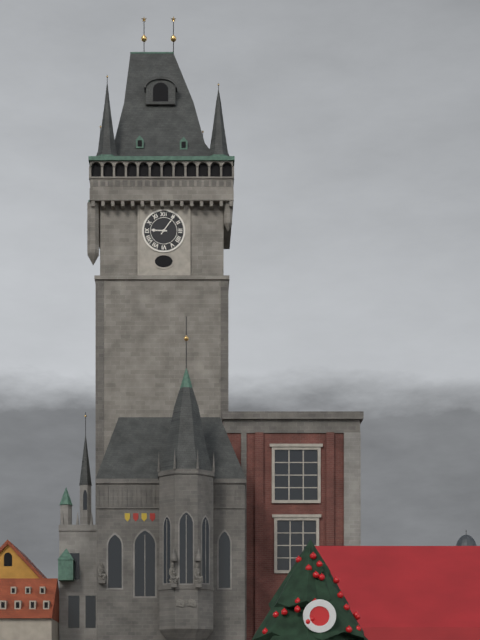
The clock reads **9:06**
